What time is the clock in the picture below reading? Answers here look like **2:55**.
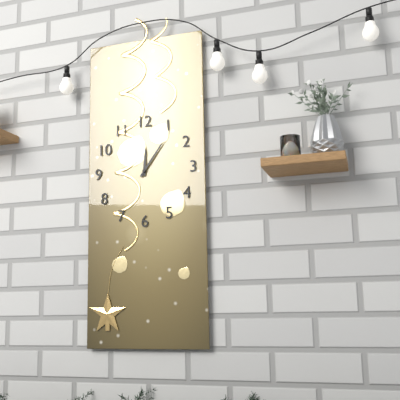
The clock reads **12:06**
